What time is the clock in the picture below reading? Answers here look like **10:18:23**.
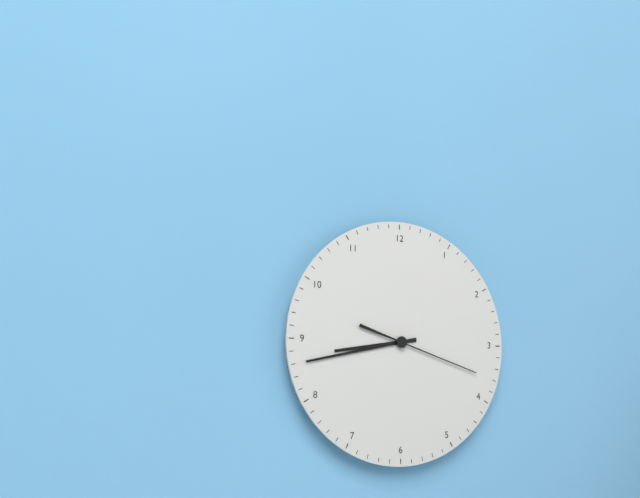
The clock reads **8:43:18**
